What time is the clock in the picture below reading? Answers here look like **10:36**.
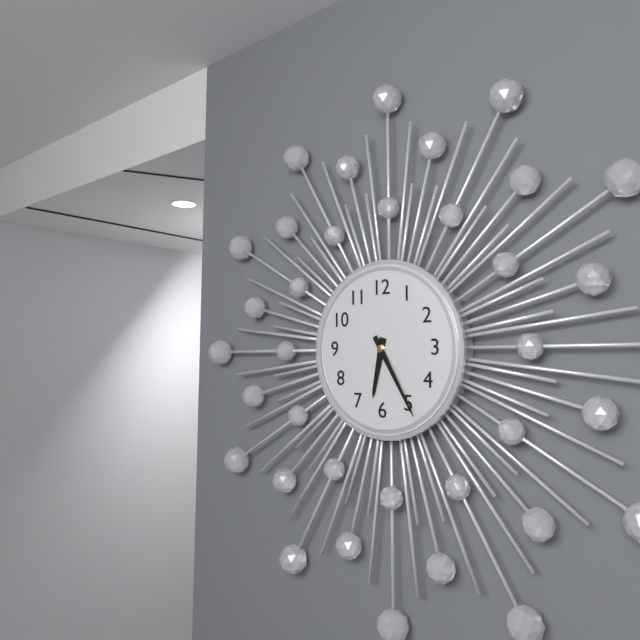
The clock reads **6:25**
